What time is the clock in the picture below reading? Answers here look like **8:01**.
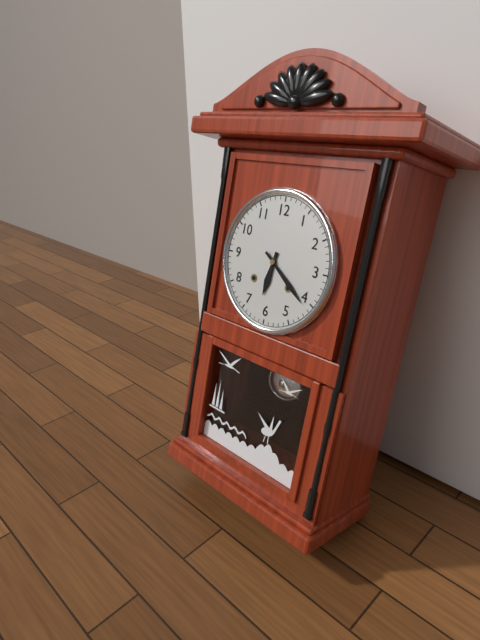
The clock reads **6:21**
